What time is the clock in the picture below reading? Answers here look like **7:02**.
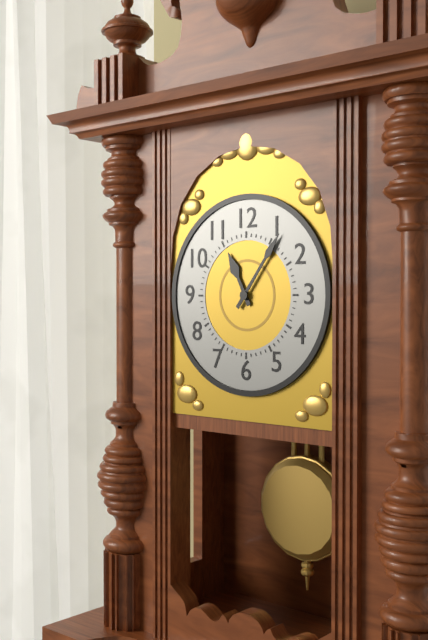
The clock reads **11:06**
